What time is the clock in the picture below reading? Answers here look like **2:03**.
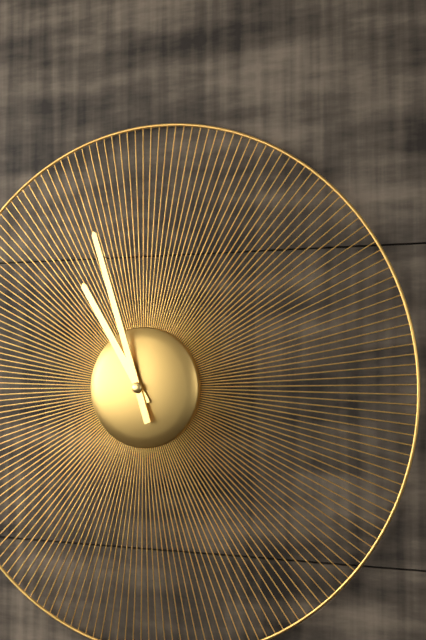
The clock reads **10:57**
